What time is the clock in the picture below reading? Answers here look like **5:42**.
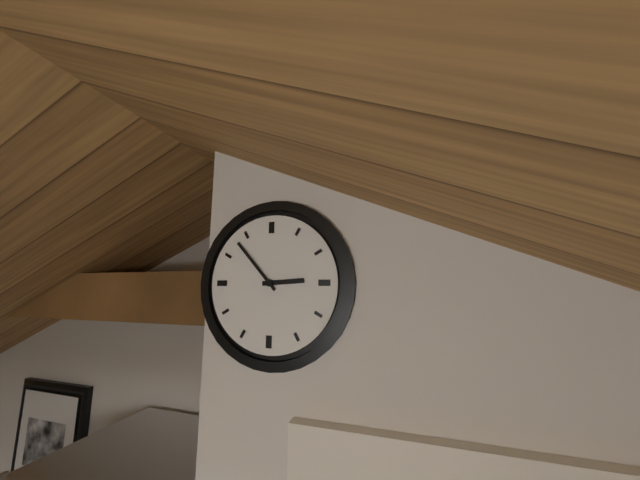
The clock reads **2:53**
